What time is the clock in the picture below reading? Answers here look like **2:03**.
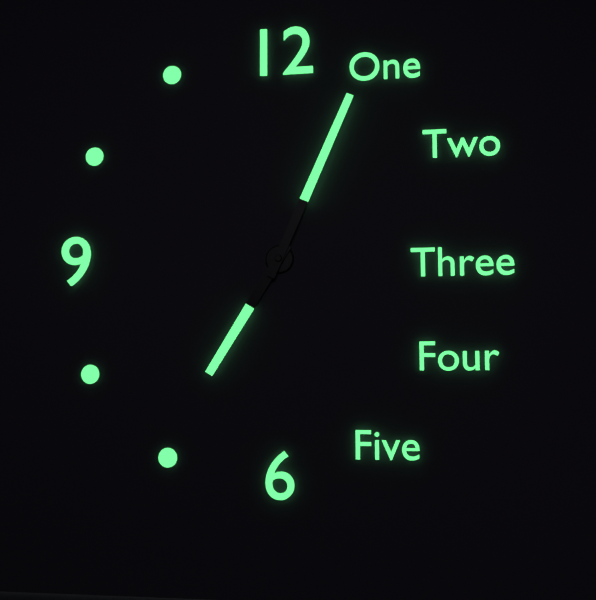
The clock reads **7:04**
